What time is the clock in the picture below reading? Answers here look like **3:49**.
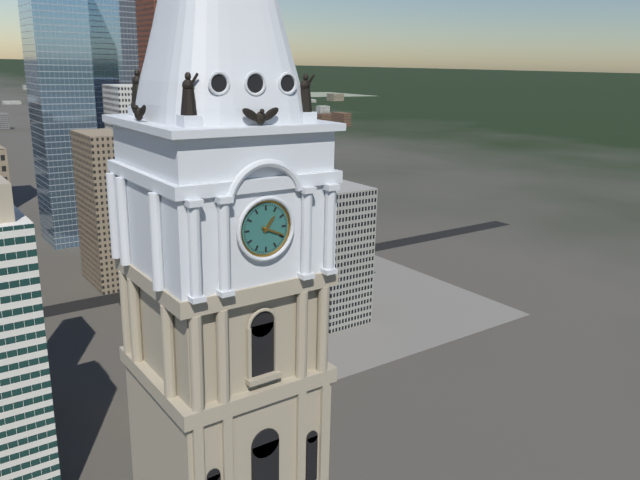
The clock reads **1:19**
